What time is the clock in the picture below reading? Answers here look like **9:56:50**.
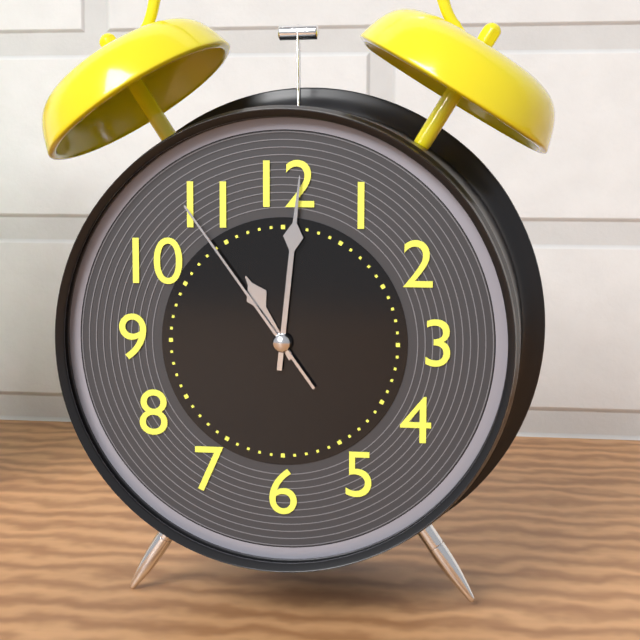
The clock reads **11:01:54**
